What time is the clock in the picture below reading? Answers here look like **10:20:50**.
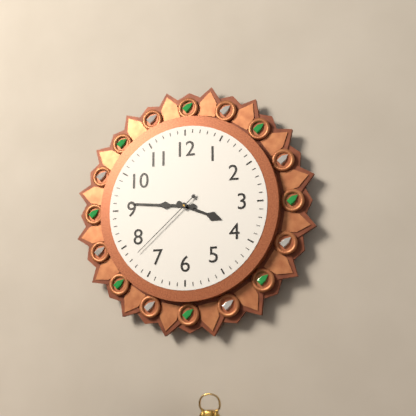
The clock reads **3:46:38**
